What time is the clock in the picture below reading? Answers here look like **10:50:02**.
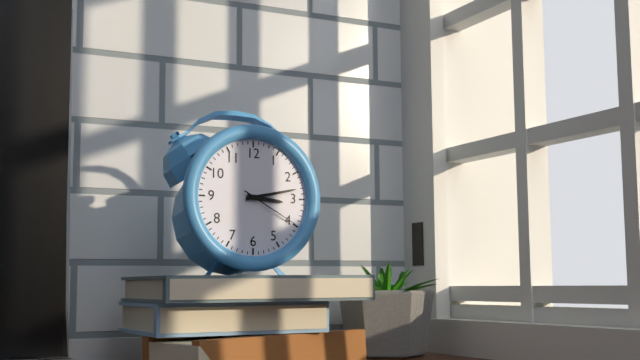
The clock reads **3:13:20**
